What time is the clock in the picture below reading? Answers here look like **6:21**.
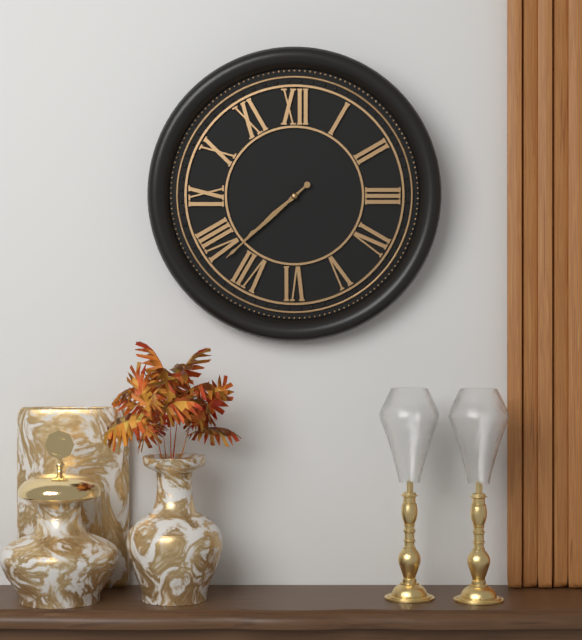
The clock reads **7:38**
